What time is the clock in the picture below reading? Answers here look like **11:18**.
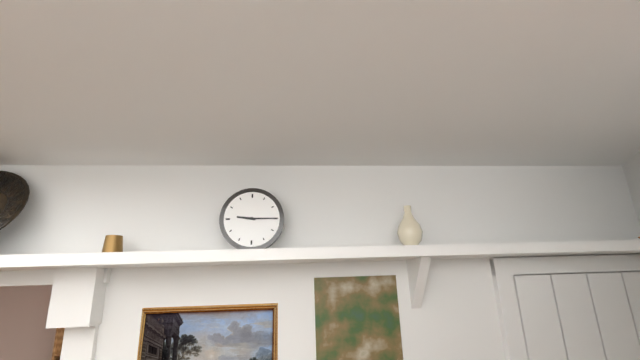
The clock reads **9:15**
